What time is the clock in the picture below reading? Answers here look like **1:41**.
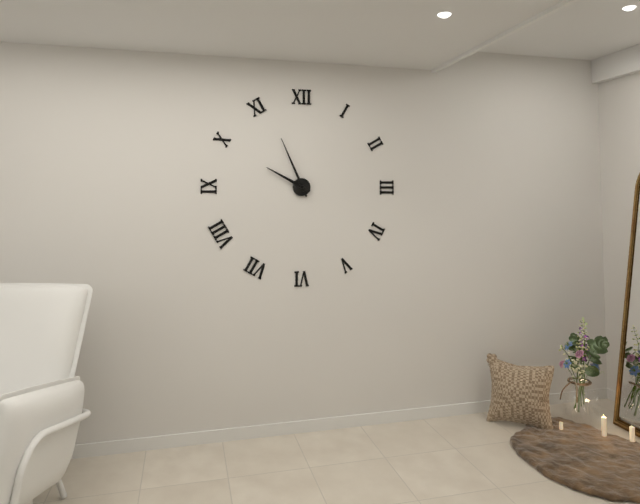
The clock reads **9:56**
